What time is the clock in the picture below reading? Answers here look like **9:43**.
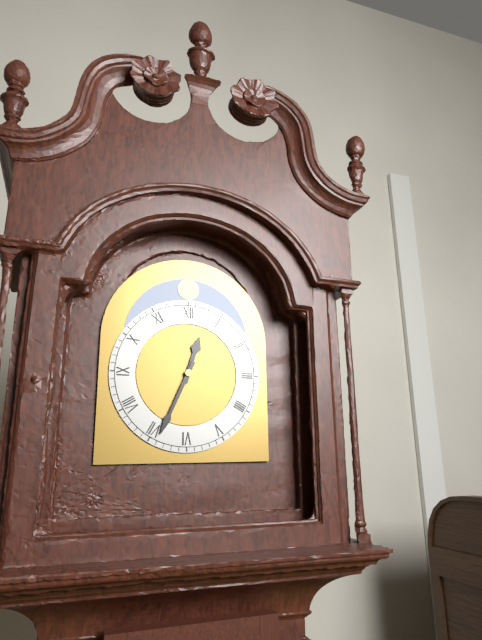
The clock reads **12:34**
